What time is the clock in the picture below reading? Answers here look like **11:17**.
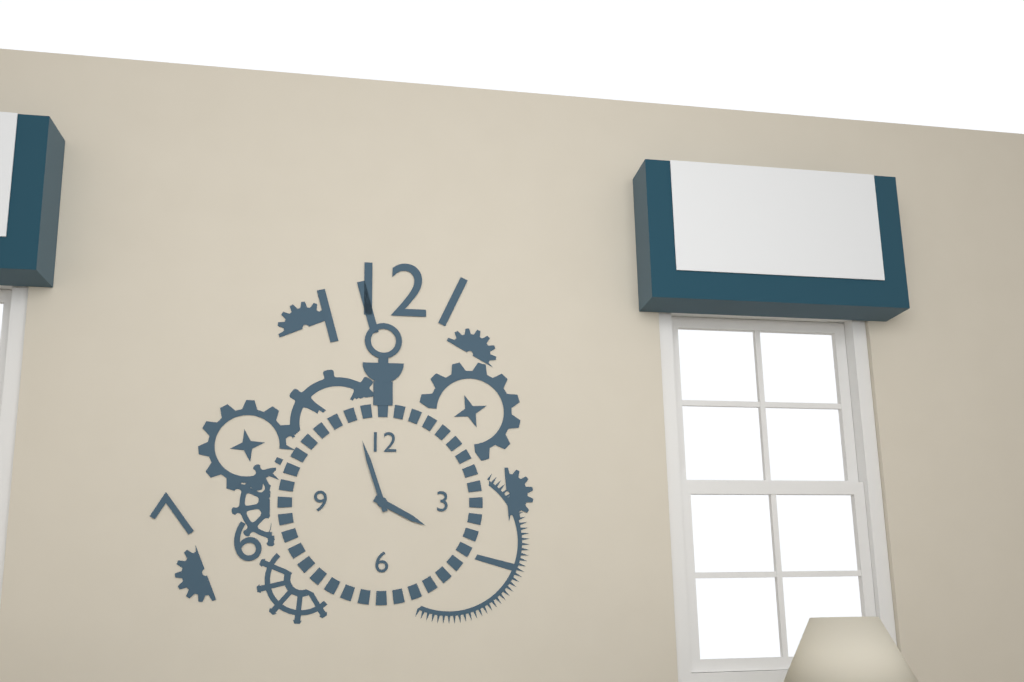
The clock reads **3:57**
